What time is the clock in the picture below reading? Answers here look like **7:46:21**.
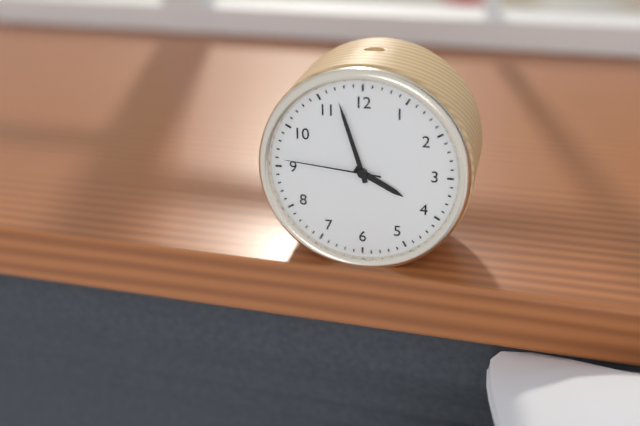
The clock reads **3:57:46**
